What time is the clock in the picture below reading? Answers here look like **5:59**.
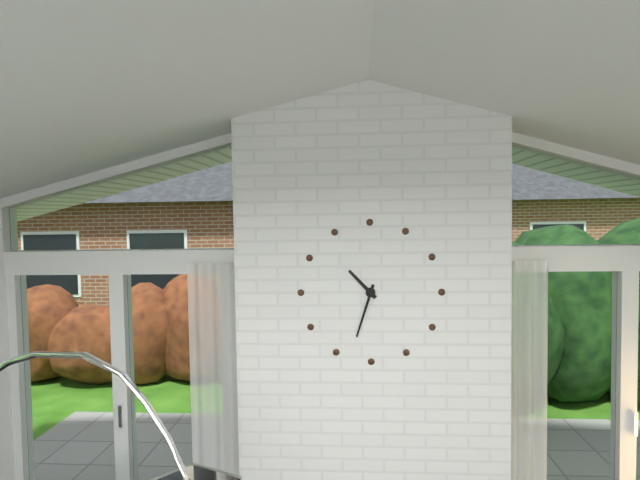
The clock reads **10:33**
